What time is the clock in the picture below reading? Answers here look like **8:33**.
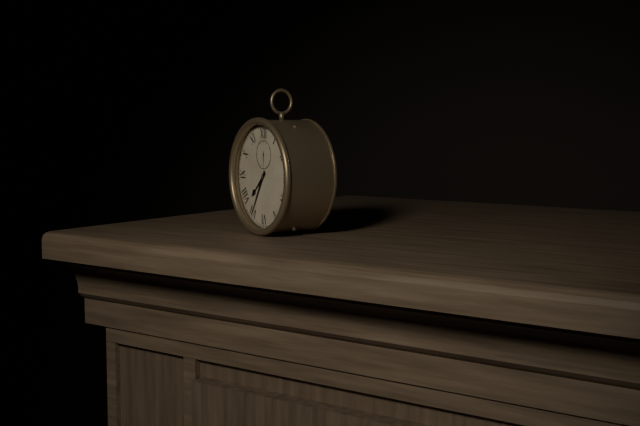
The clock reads **7:35**
